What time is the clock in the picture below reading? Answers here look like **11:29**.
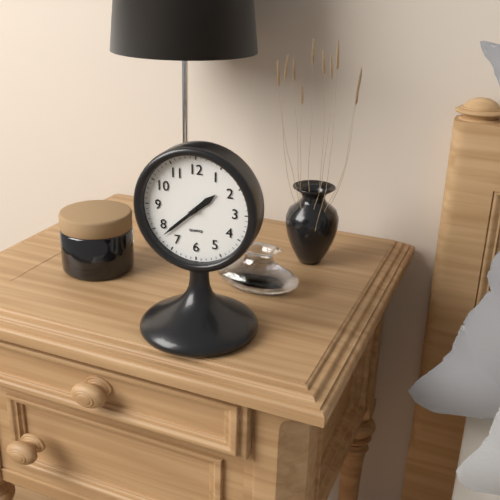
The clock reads **1:38**
